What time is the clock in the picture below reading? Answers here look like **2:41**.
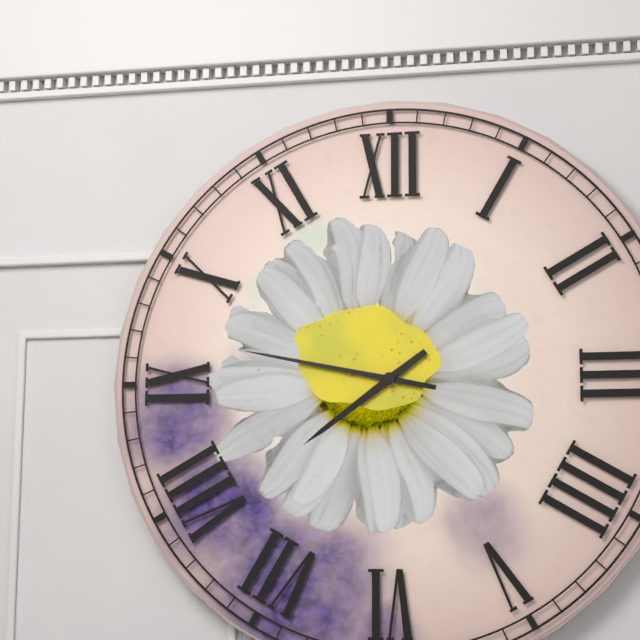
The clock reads **7:47**
